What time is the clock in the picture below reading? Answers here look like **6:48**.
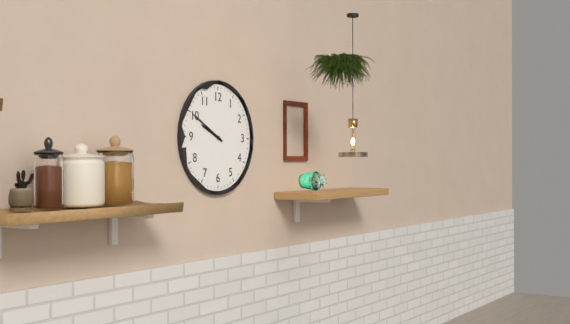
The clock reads **9:50**
